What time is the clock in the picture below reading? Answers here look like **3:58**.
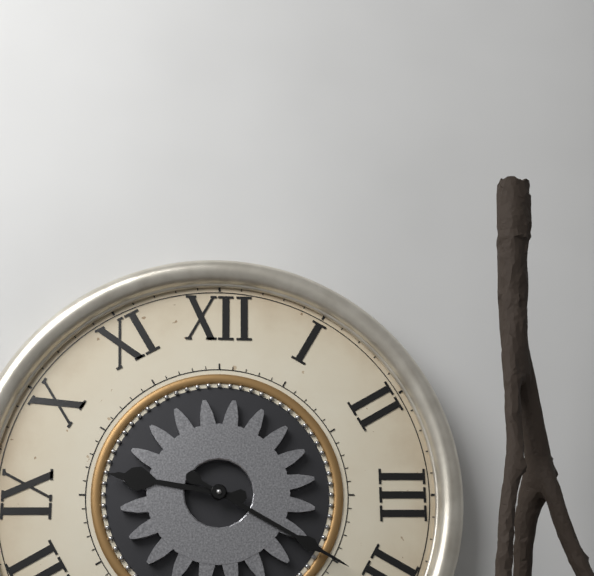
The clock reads **9:20**
